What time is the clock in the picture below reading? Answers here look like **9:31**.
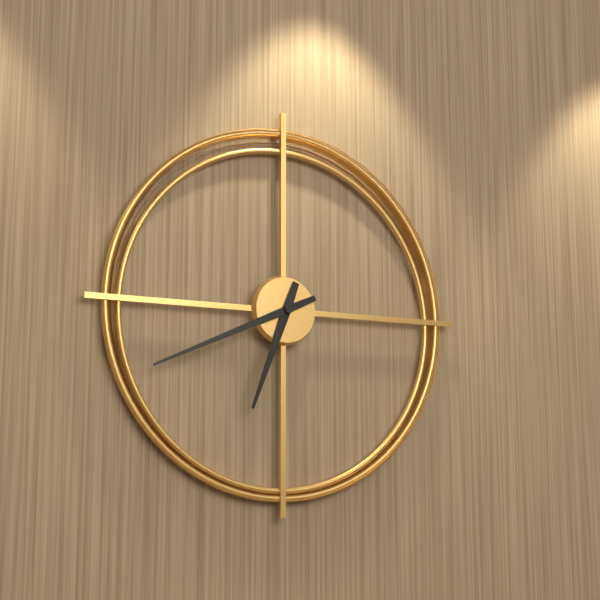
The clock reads **6:41**
